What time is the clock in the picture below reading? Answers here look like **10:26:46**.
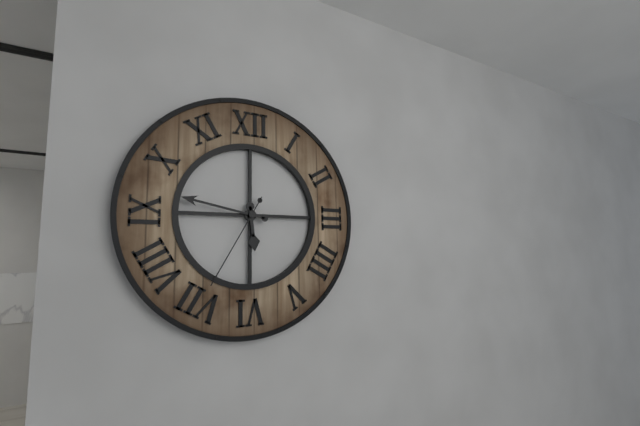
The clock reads **5:47:35**
